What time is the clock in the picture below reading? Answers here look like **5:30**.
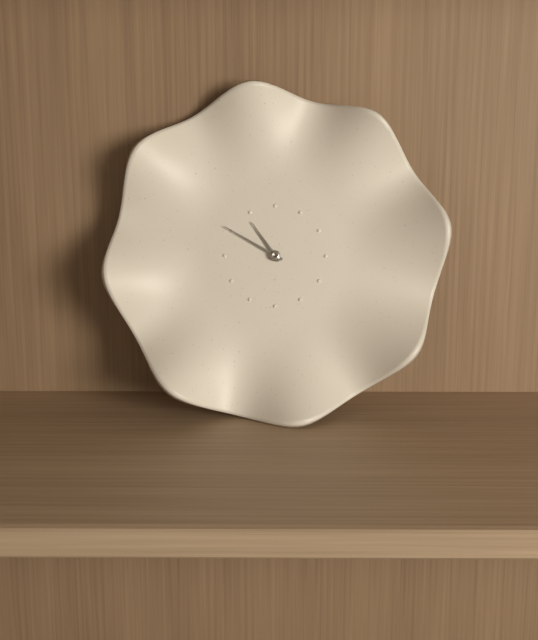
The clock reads **10:50**
